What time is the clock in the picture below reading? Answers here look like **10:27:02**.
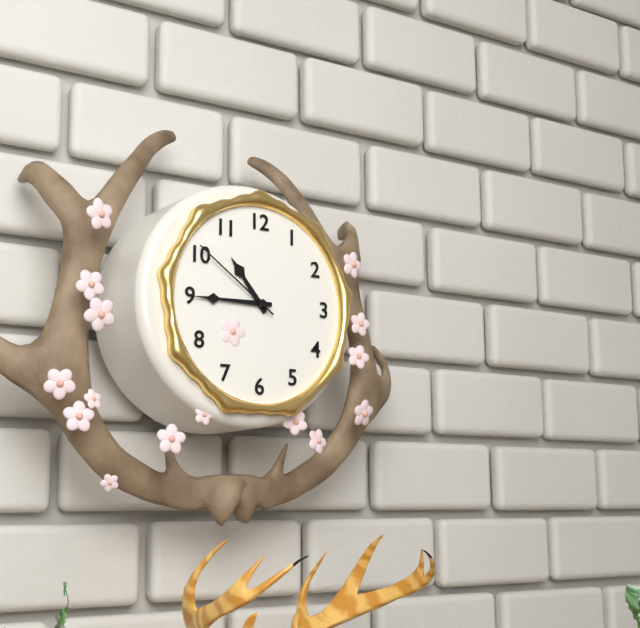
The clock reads **10:45:51**
